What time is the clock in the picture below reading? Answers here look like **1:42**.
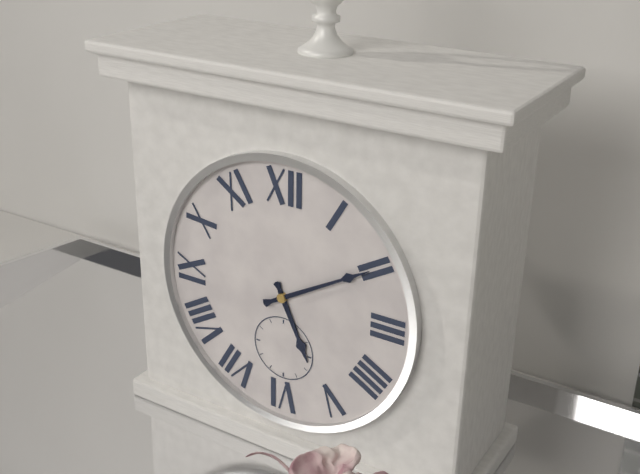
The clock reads **5:10**
